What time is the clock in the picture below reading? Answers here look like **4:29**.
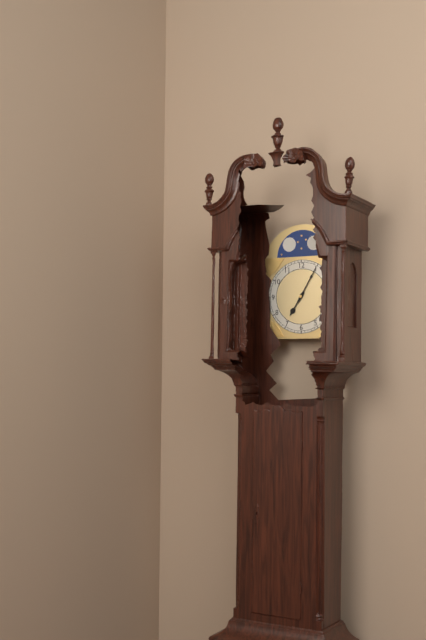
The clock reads **7:05**
